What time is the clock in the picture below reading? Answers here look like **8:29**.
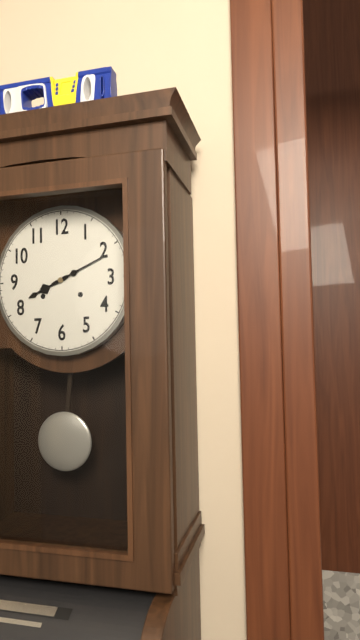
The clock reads **8:11**
